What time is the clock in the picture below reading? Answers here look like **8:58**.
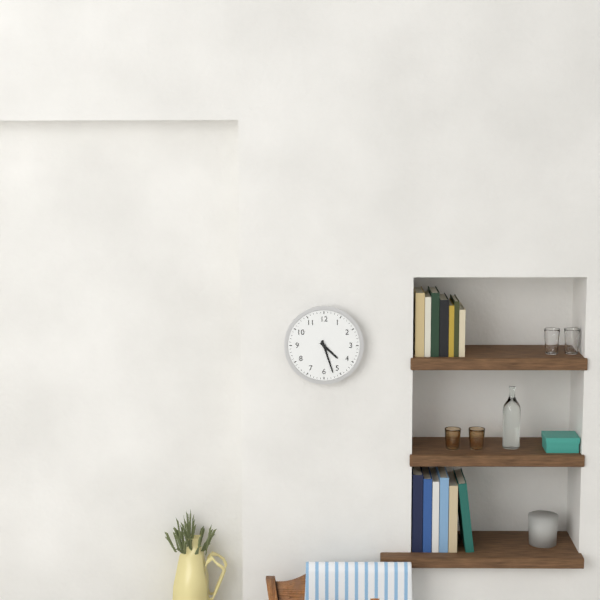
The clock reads **4:27**
